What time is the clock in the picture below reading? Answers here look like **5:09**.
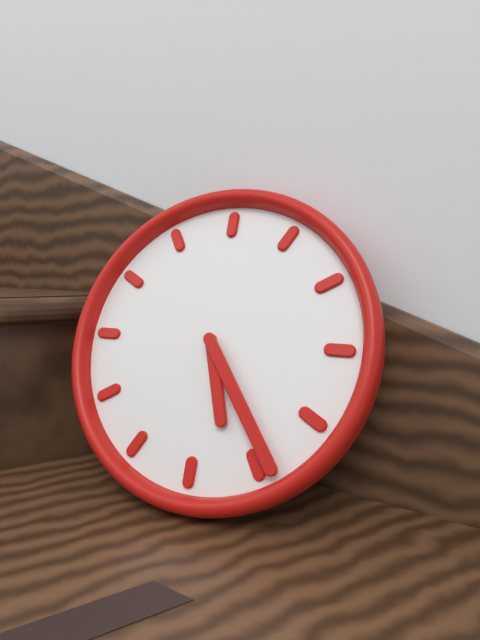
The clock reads **5:24**
